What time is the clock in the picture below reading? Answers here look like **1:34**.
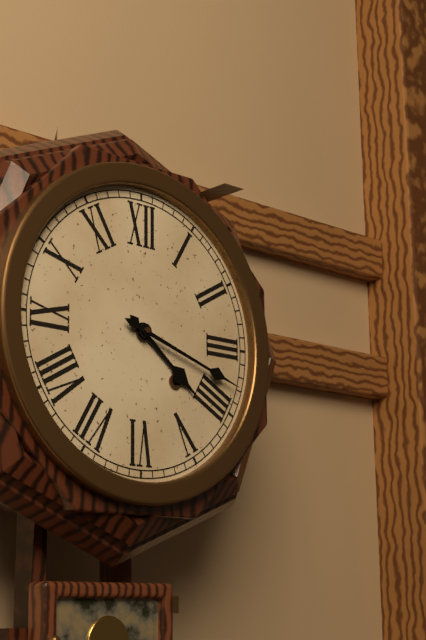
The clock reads **4:18**
